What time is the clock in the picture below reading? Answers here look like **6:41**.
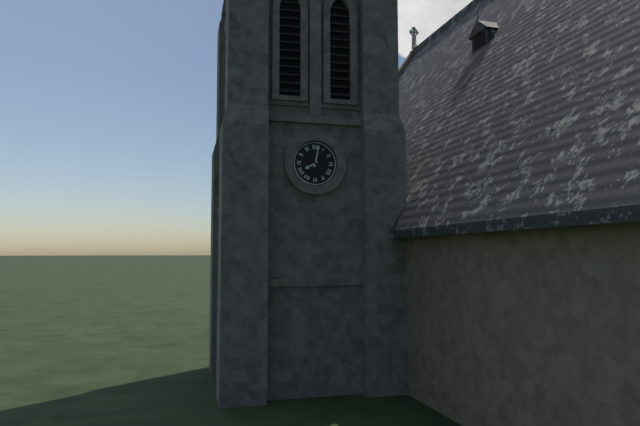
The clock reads **8:02**
